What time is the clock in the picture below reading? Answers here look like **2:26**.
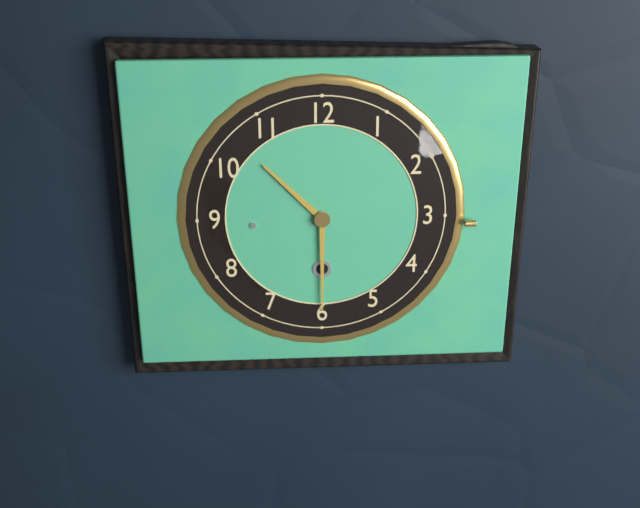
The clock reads **10:30**
